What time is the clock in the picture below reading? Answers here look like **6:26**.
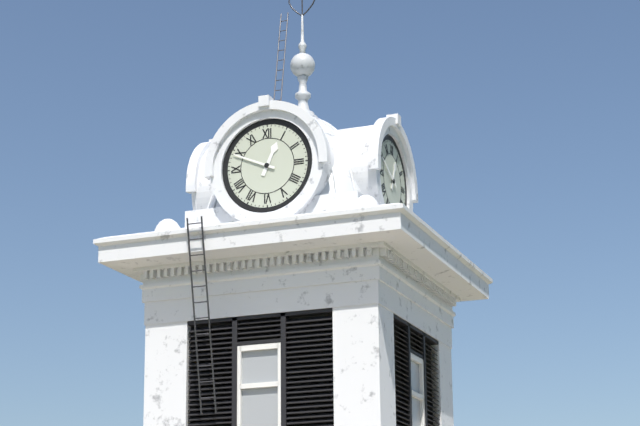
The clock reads **12:49**
